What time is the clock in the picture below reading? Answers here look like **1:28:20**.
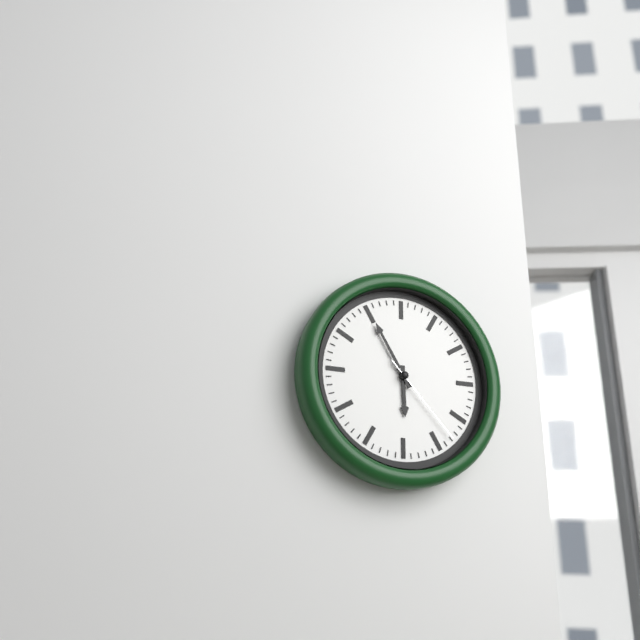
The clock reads **5:55:23**
